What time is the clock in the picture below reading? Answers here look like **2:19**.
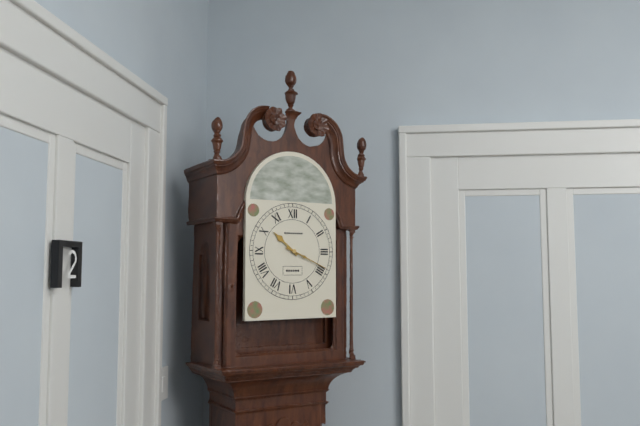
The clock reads **10:19**
